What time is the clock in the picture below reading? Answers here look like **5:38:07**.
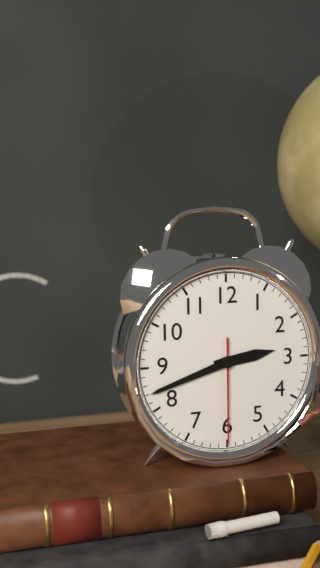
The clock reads **2:42:30**
